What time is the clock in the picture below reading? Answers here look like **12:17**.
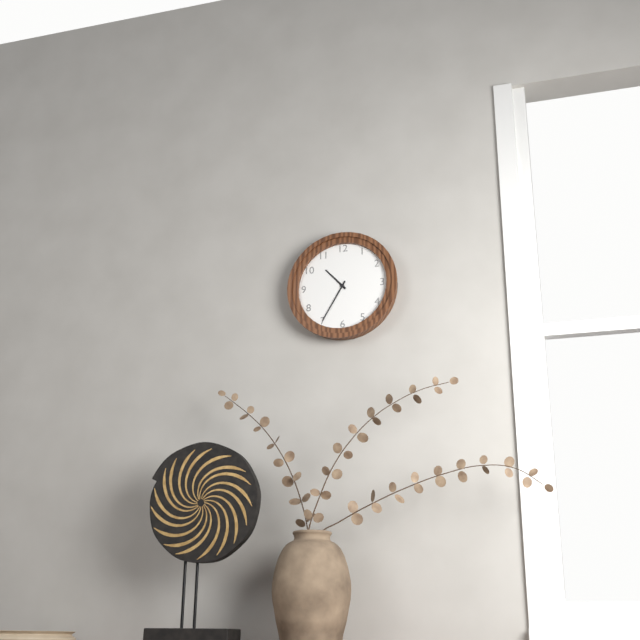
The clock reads **10:35**
